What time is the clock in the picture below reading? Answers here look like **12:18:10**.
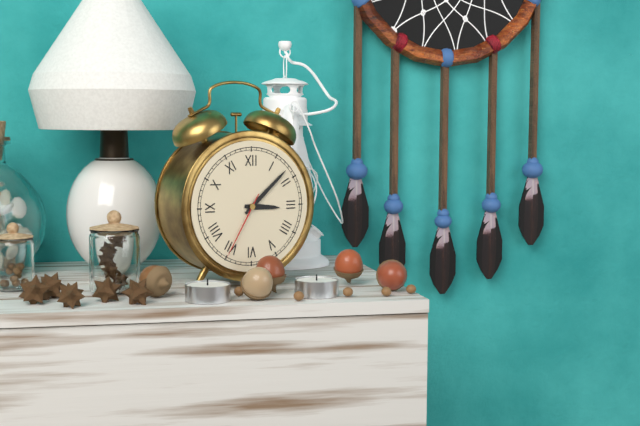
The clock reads **3:08:35**
